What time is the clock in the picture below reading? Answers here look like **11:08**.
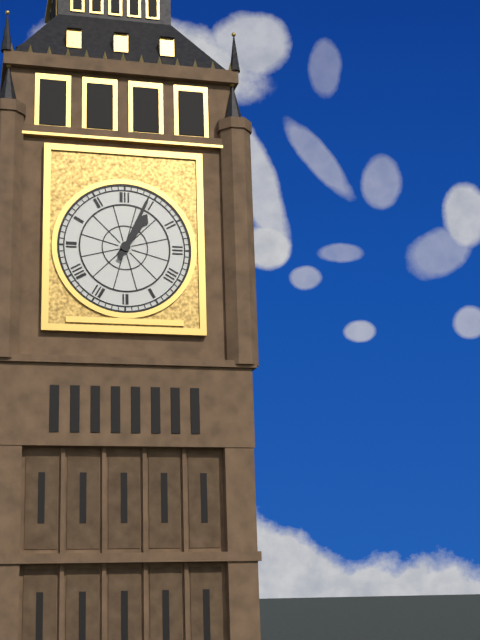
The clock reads **1:04**
